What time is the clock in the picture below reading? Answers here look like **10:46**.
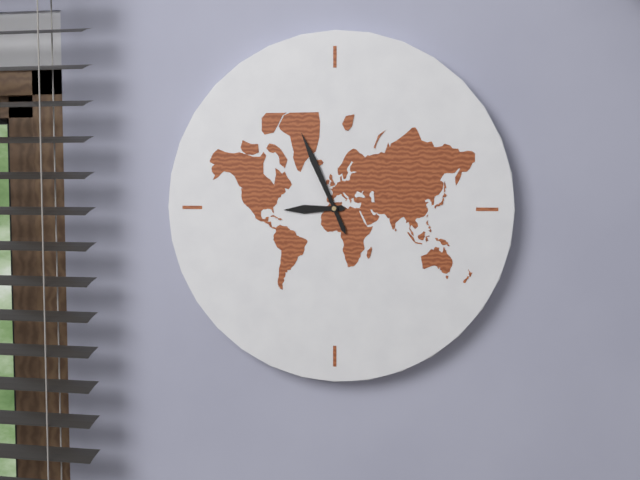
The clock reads **8:56**
